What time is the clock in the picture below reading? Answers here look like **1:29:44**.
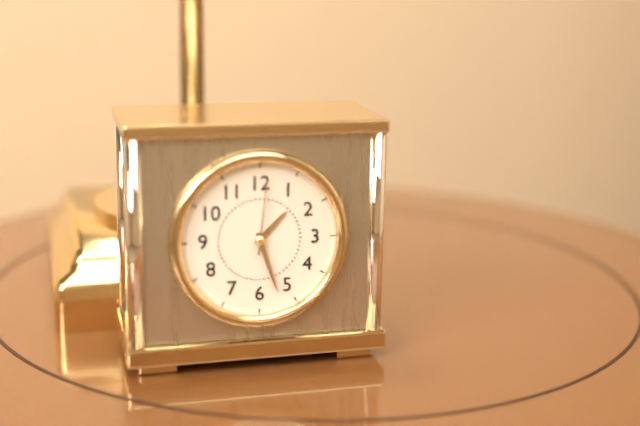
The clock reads **1:27:01**
